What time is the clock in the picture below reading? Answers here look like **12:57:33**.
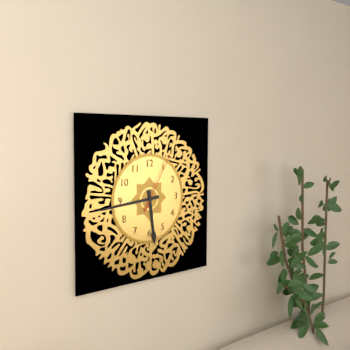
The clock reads **5:44:05**
